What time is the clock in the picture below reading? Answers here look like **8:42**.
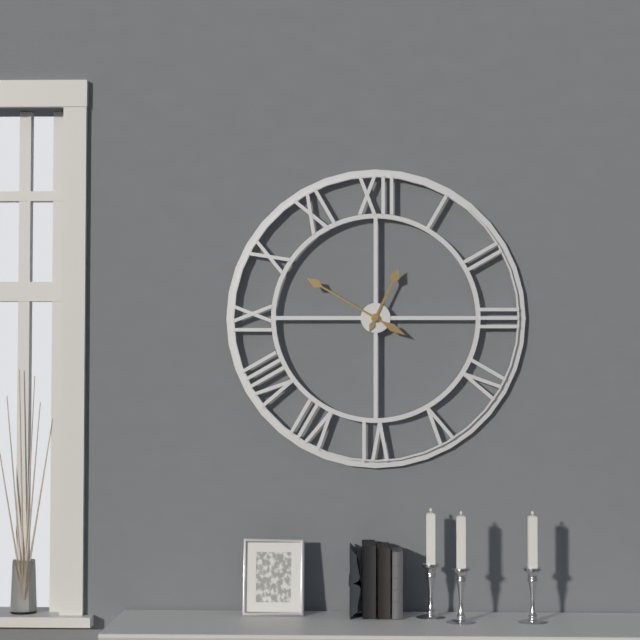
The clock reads **12:50**
